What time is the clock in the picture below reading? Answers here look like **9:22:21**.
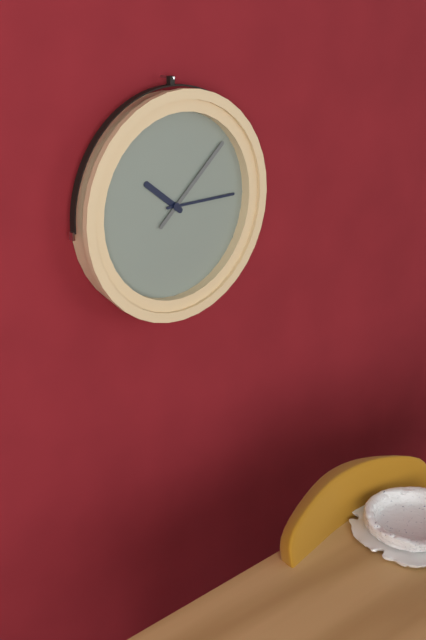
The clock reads **10:15:08**
